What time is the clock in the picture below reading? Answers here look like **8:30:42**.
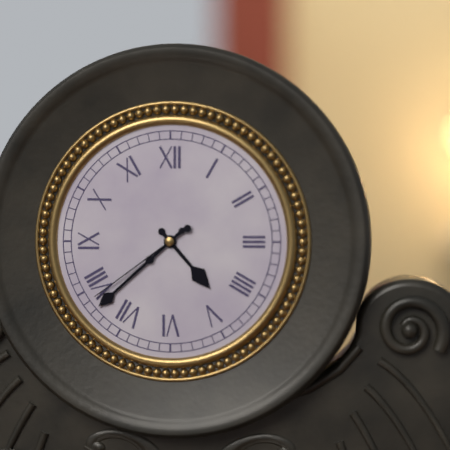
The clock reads **4:38:39**
